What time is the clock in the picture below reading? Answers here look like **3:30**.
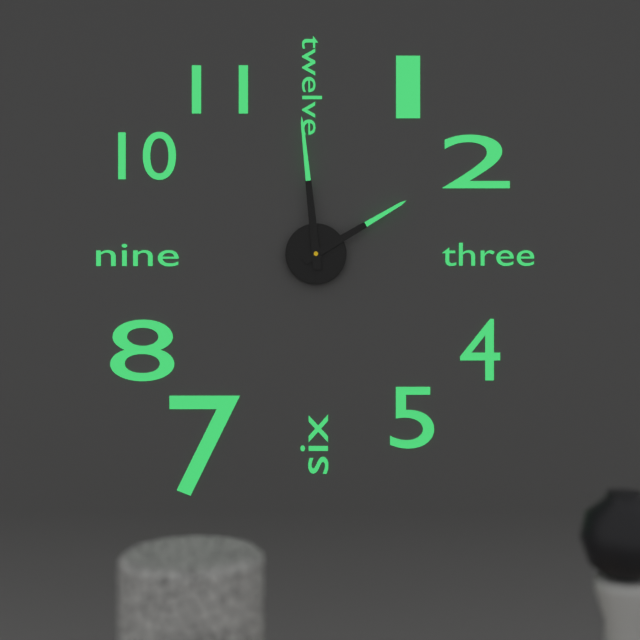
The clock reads **1:59**
